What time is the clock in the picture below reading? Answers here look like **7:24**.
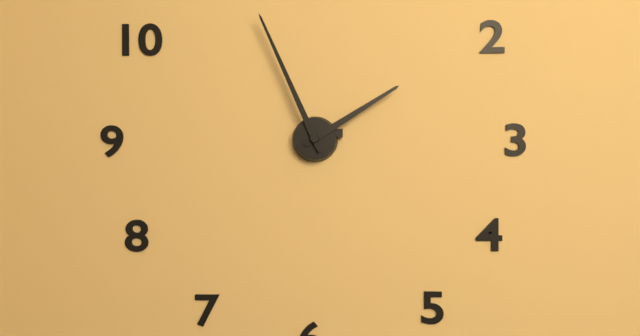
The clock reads **1:56**
